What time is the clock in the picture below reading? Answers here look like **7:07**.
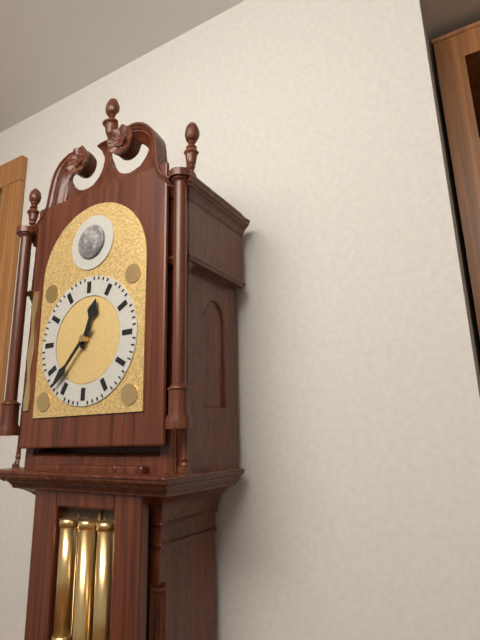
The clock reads **12:37**
